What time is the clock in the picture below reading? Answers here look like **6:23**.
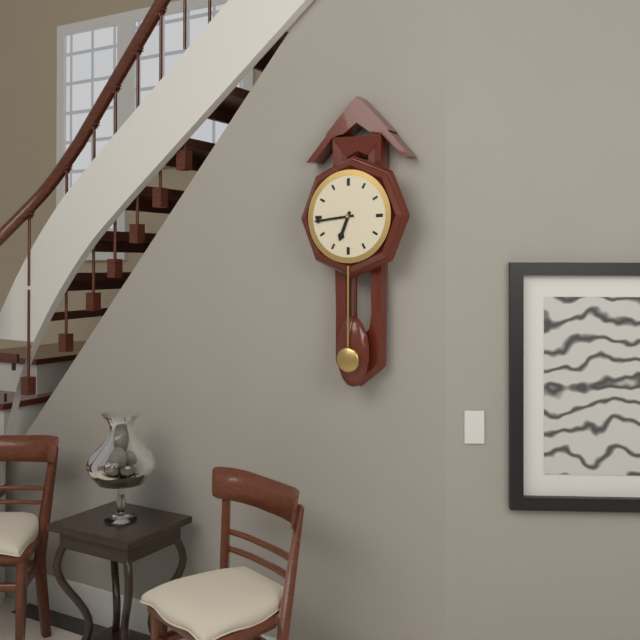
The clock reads **6:44**
